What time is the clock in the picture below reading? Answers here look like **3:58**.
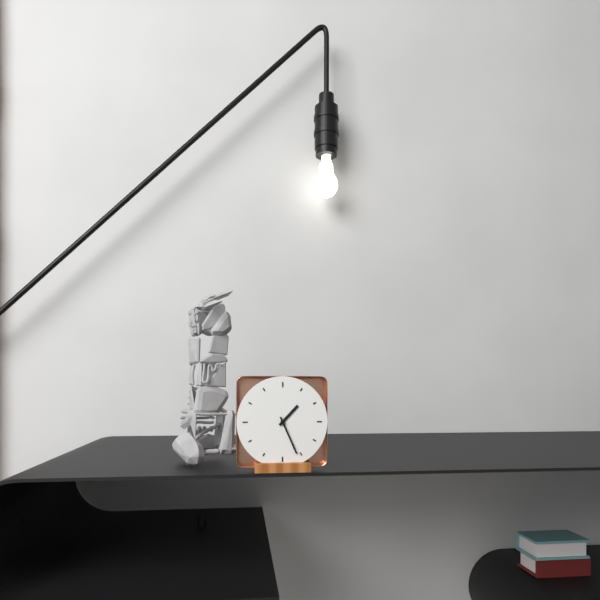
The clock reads **1:26**
